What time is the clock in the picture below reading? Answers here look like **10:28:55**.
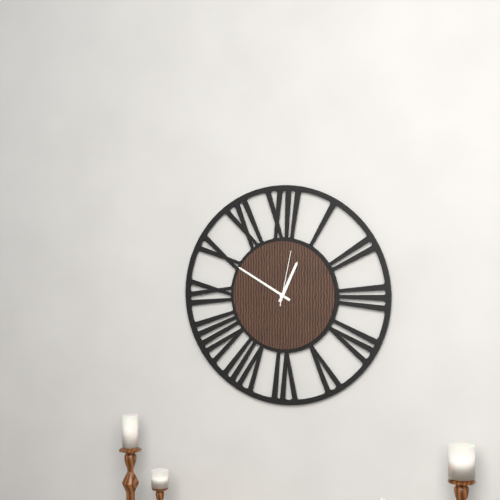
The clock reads **12:50:02**
